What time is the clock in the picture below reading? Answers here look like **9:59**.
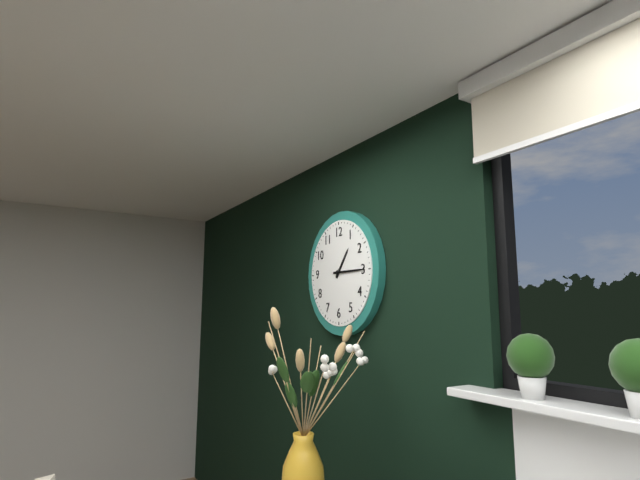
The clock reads **1:15**
